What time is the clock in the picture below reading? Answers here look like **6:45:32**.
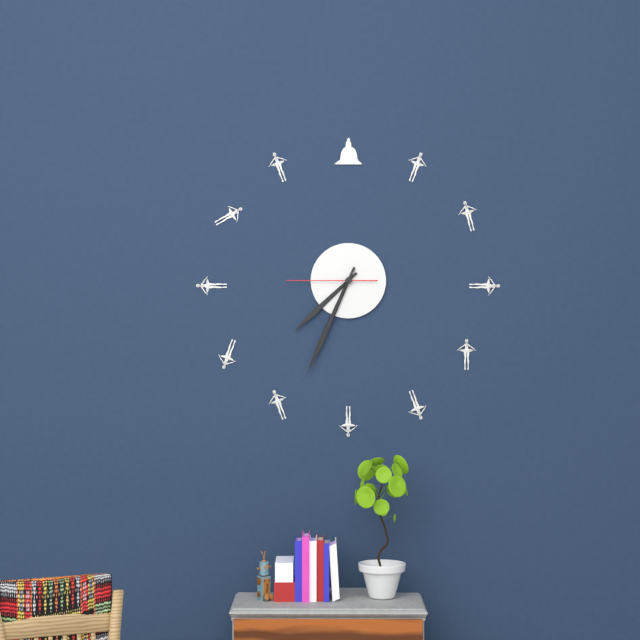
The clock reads **7:34:45**
